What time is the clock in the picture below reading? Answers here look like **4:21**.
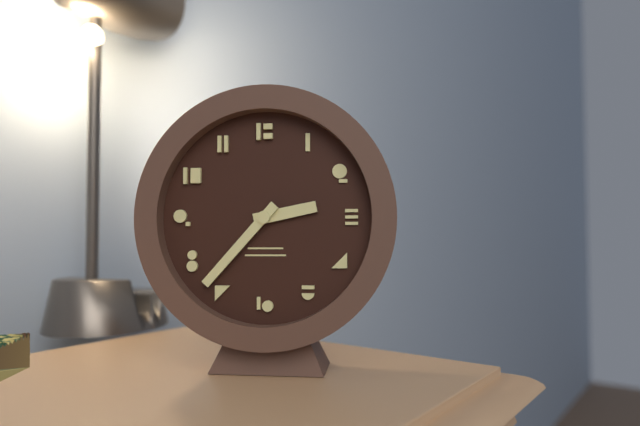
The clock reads **2:37**
